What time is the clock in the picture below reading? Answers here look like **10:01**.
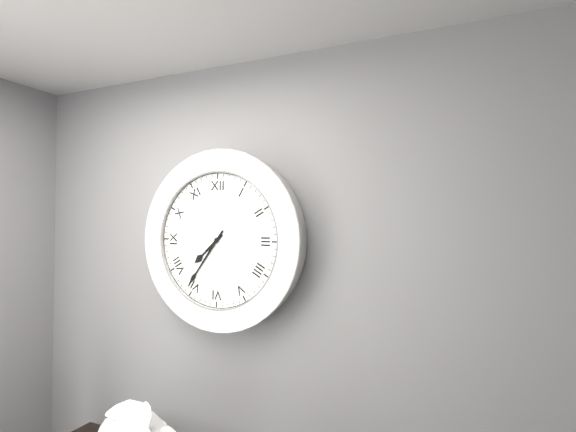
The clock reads **7:36**
